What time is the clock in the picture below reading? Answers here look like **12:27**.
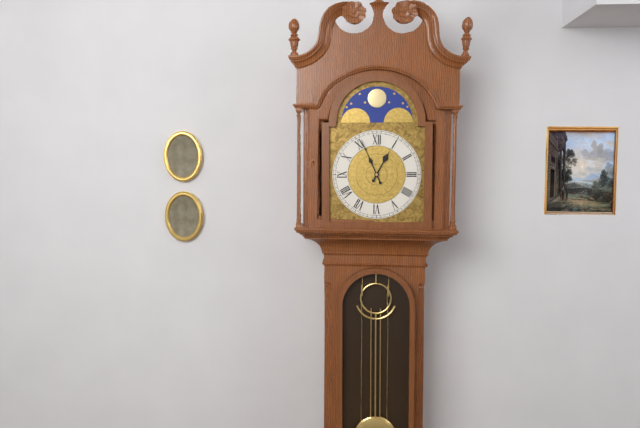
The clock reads **12:56**
